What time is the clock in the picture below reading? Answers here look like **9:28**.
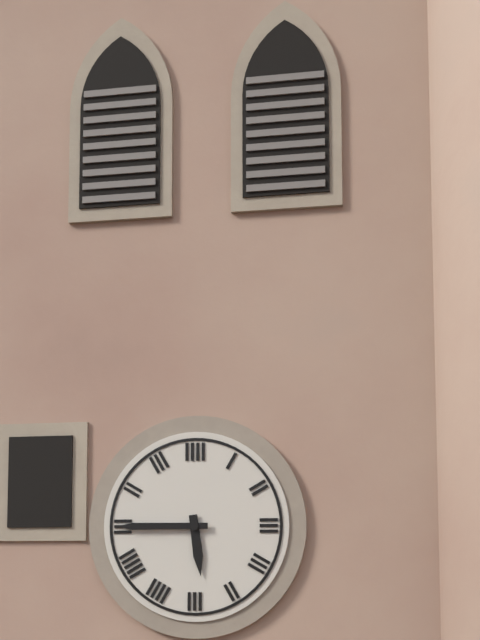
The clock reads **5:45**
